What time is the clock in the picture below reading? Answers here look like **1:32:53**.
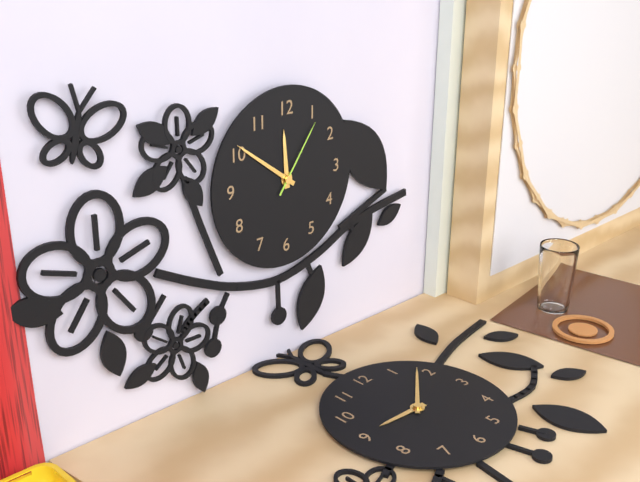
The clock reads **11:51:06**
